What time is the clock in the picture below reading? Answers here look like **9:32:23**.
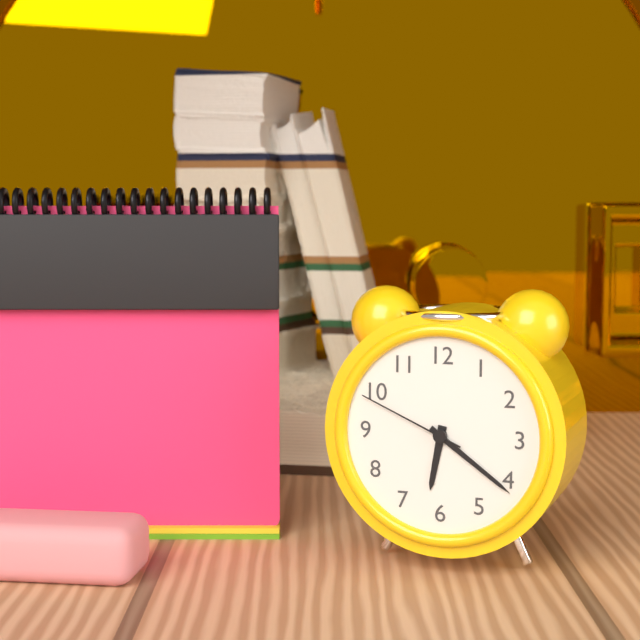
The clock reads **6:21:49**
